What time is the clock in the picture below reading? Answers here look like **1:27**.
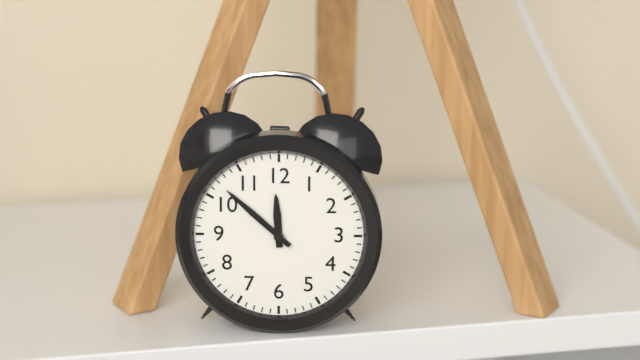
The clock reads **11:52**
